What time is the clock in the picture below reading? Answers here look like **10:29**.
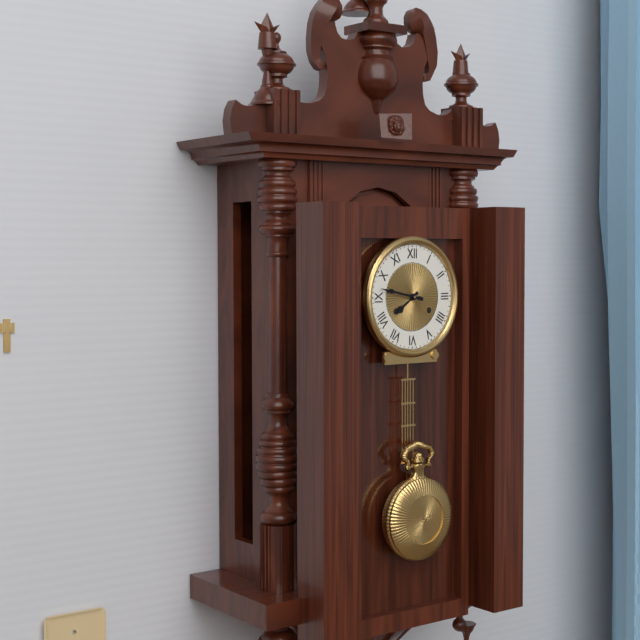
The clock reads **7:47**
